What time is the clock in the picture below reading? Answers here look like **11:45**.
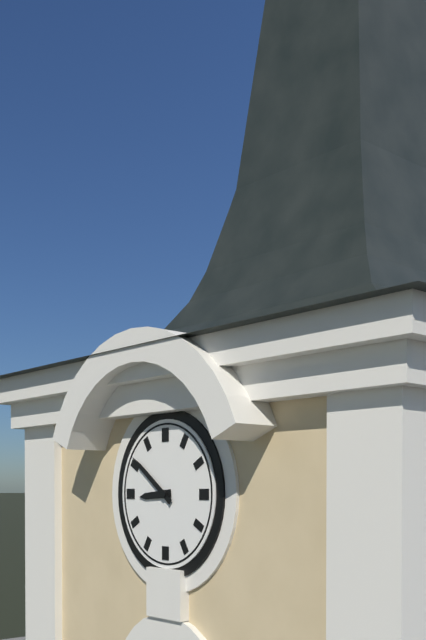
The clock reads **8:51**
